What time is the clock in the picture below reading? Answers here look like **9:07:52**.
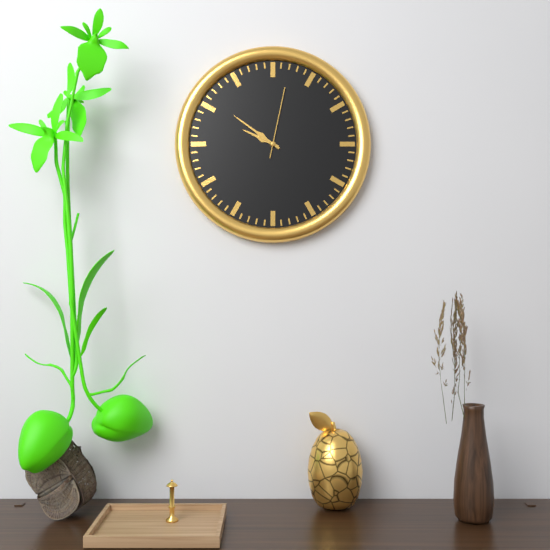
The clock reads **9:51:02**
